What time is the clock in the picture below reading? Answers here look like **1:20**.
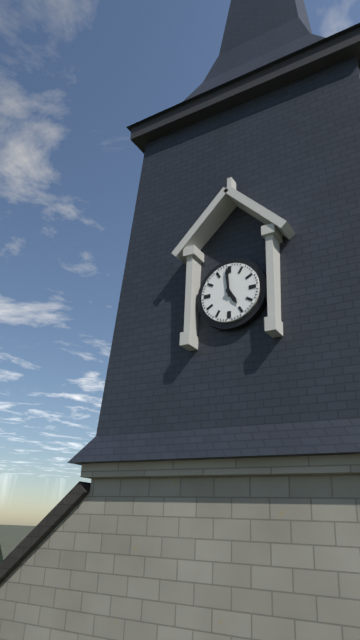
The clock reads **4:59**
